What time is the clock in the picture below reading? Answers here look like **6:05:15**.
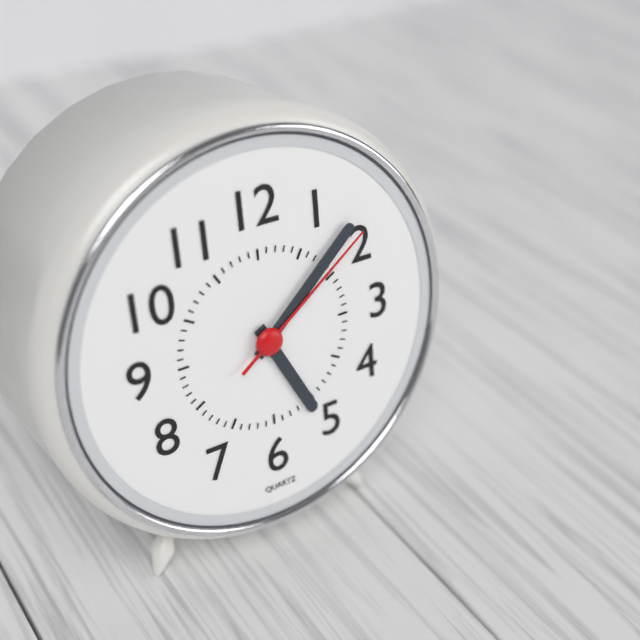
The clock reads **5:08:09**
